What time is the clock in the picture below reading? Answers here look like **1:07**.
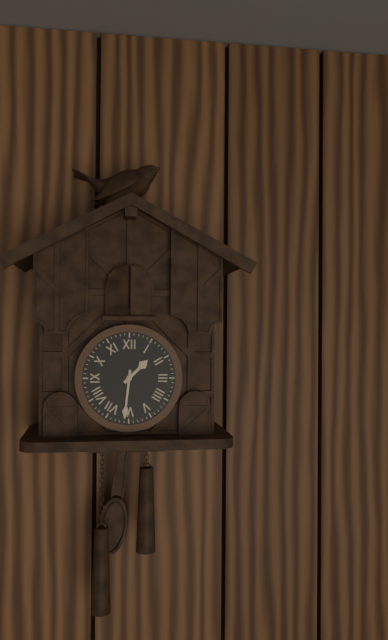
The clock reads **1:31**
